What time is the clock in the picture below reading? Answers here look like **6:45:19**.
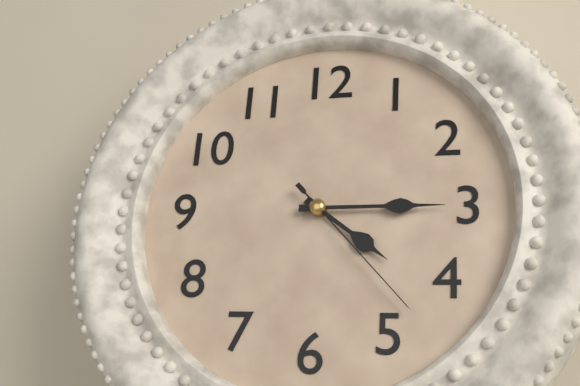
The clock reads **4:15:23**
